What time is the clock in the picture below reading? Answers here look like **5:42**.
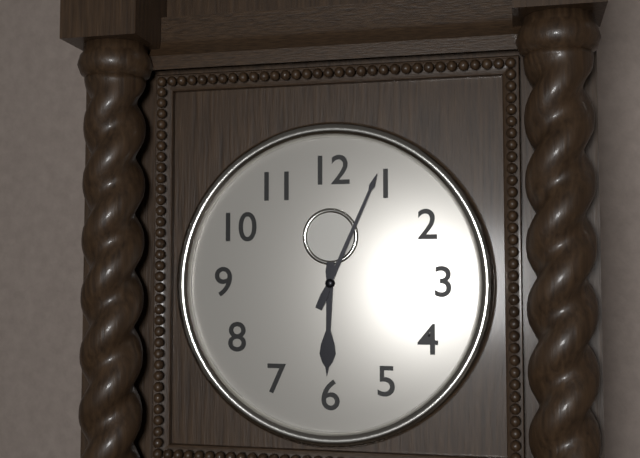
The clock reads **6:04**
